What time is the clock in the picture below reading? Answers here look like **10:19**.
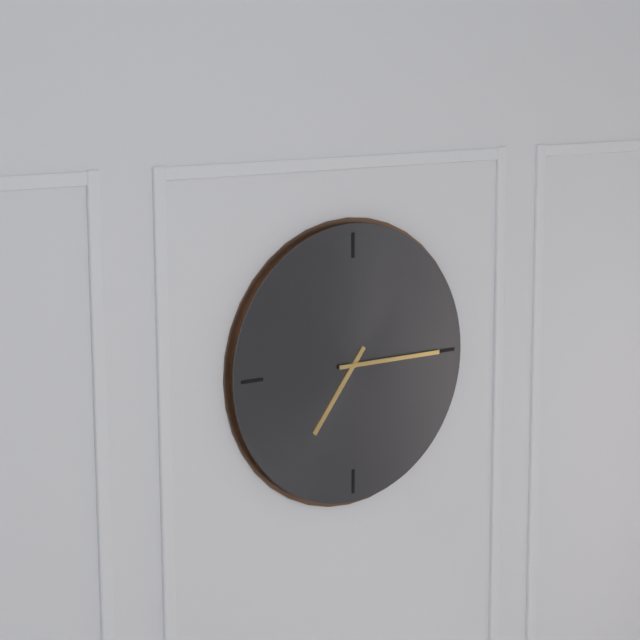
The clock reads **7:15**
